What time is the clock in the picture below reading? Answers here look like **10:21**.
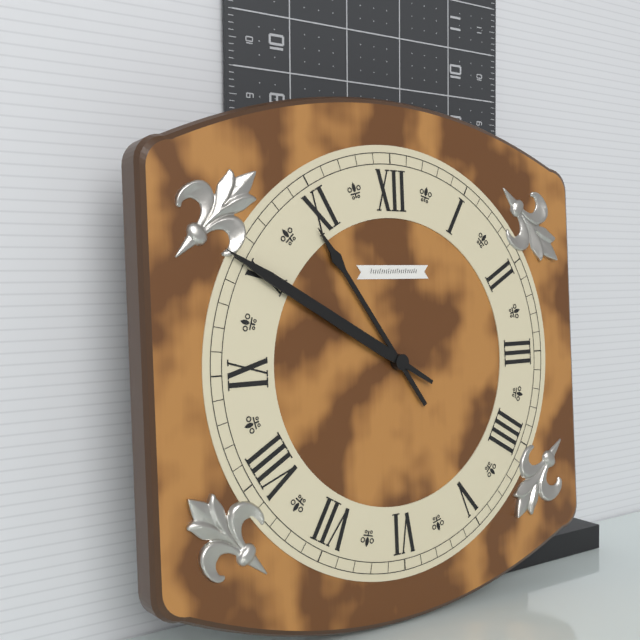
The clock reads **10:50**
